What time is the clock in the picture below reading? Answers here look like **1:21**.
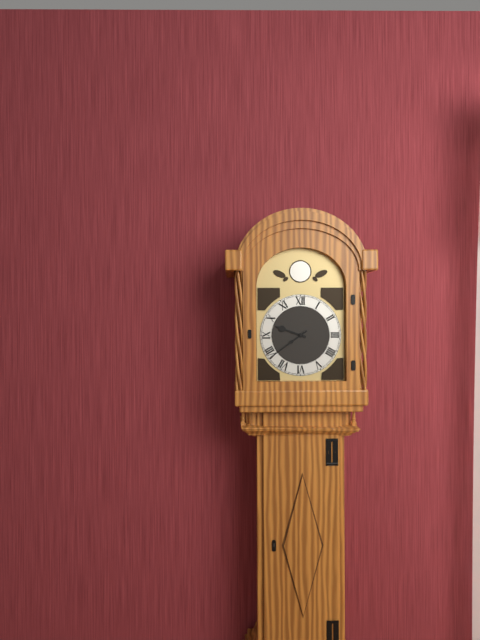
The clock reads **9:39**
